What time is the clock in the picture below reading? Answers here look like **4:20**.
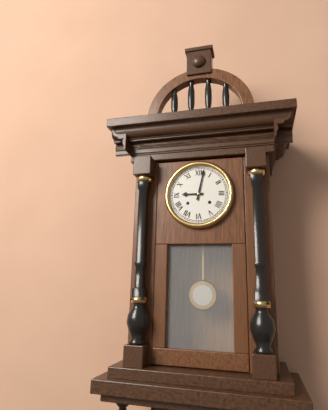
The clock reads **9:02**
